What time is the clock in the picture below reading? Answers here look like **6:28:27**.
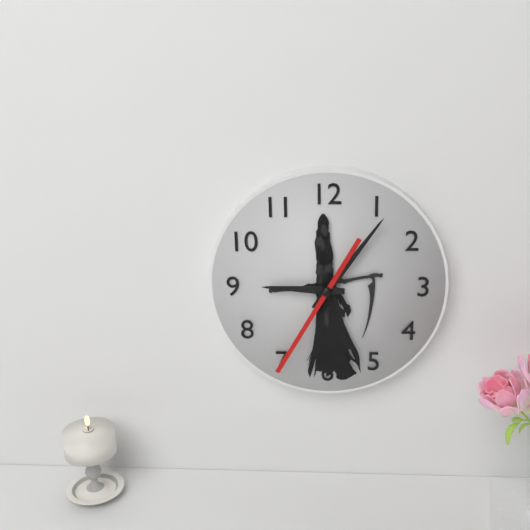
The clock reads **9:06:35**
